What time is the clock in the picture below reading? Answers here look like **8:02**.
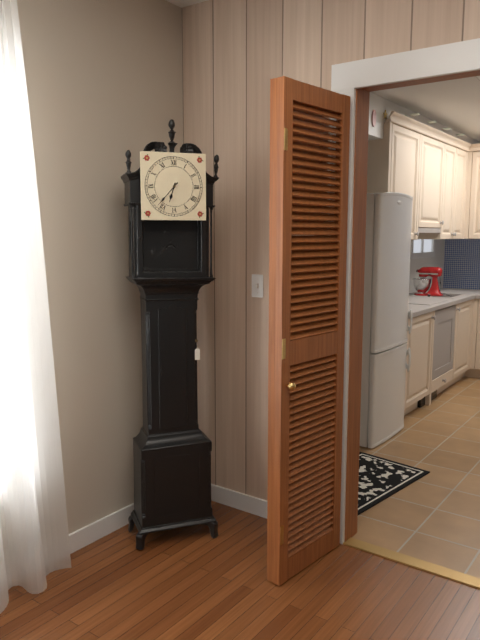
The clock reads **6:37**
